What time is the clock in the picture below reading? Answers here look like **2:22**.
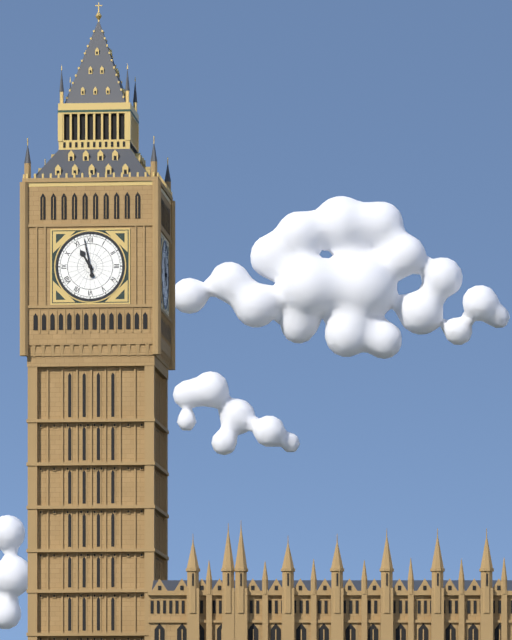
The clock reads **10:58**
